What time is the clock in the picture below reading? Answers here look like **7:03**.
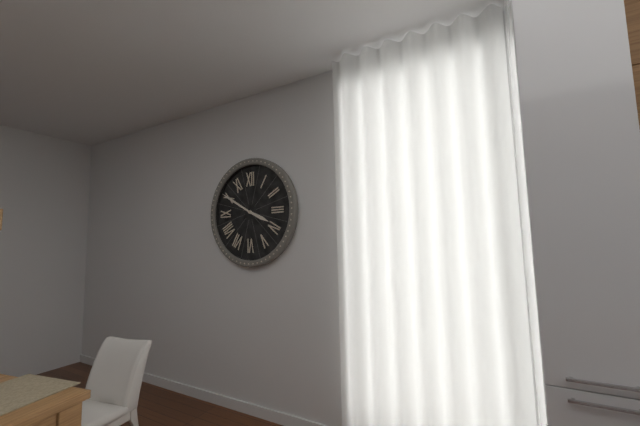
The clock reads **3:50**
